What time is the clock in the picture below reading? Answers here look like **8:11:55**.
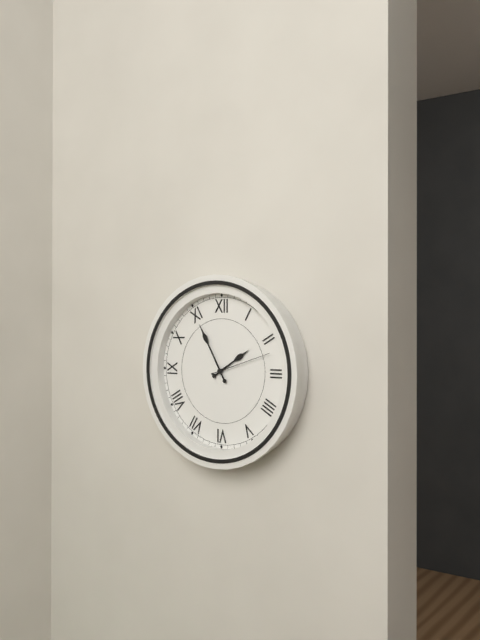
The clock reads **1:55:12**
